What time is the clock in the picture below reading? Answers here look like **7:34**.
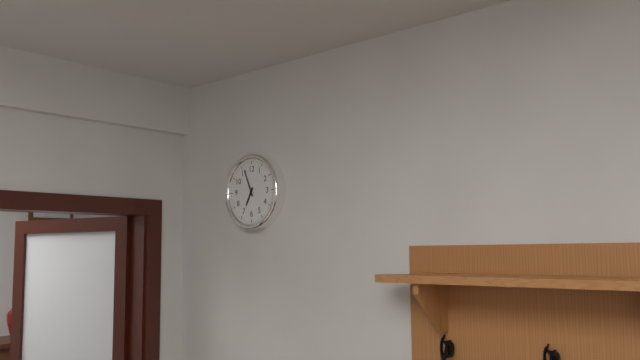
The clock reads **6:56**
